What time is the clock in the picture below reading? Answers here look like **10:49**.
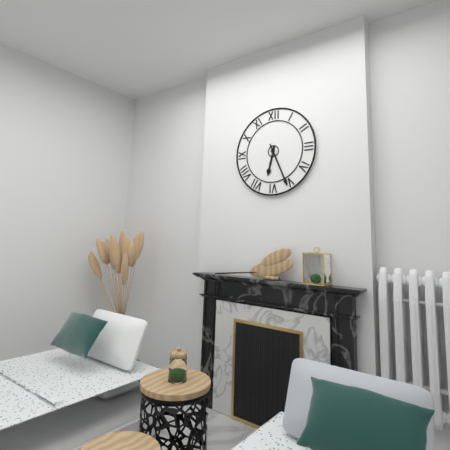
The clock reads **6:26**
